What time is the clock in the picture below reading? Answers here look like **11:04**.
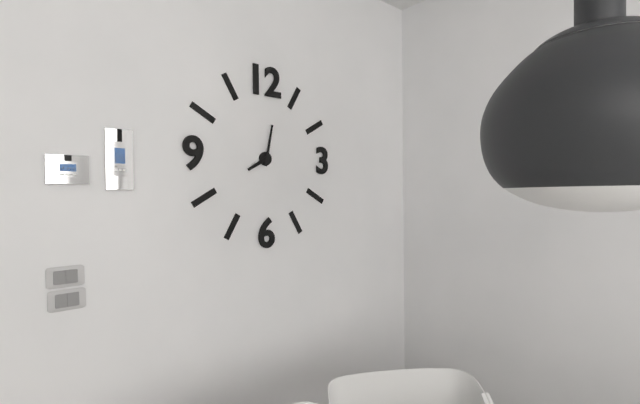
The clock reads **8:02**
